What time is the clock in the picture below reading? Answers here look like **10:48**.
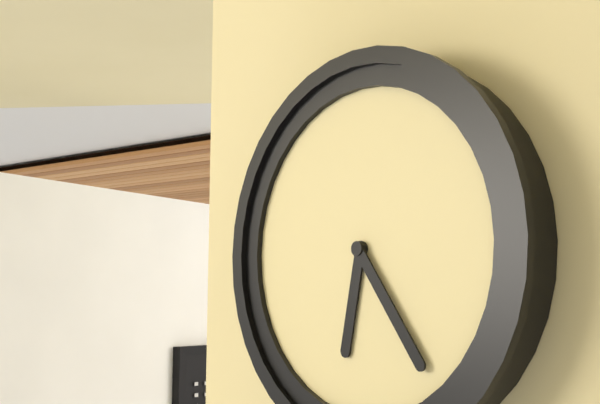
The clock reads **6:24**
